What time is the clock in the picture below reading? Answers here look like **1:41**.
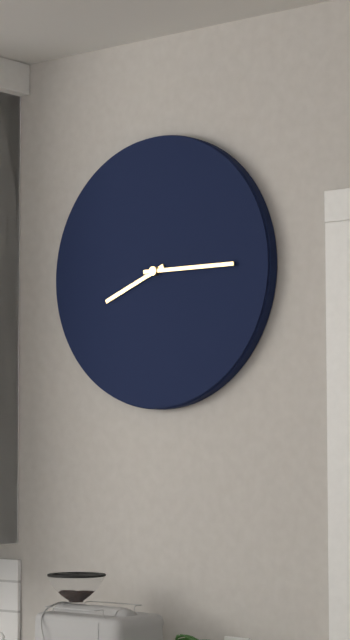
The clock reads **8:15**
